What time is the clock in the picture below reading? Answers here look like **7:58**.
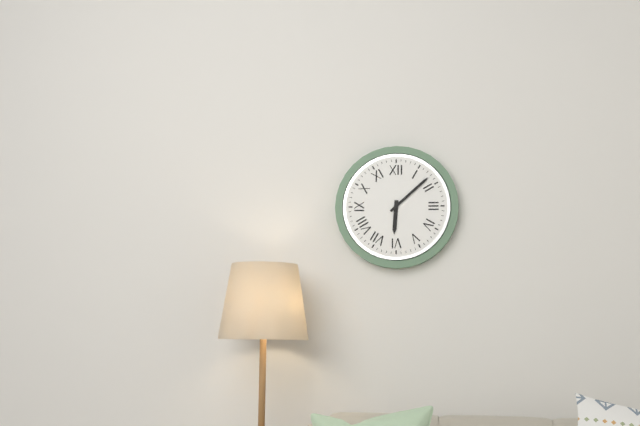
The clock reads **6:08**
